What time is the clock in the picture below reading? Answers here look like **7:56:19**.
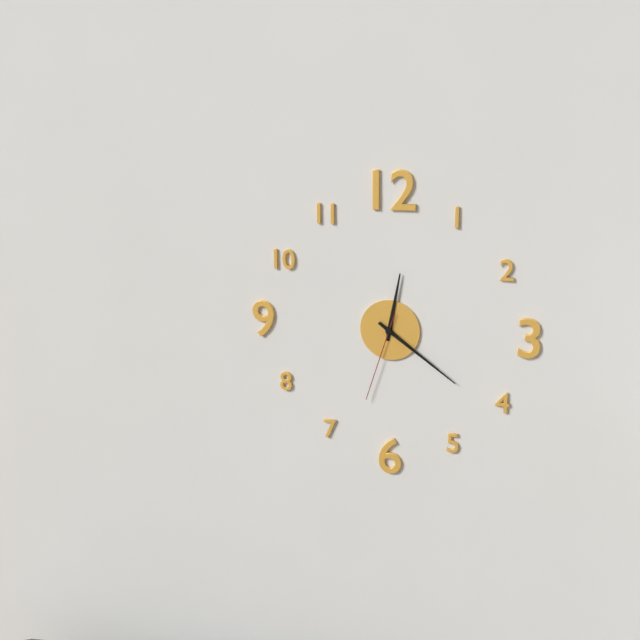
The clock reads **12:21:33**
